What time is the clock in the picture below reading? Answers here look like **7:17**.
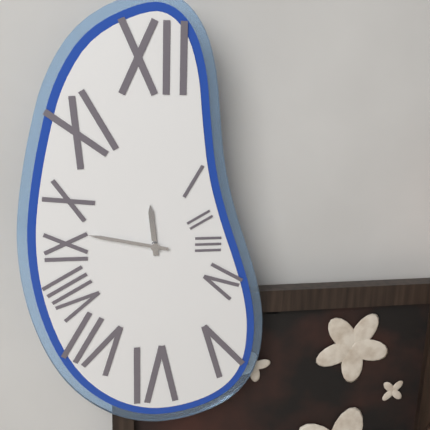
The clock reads **11:47**
